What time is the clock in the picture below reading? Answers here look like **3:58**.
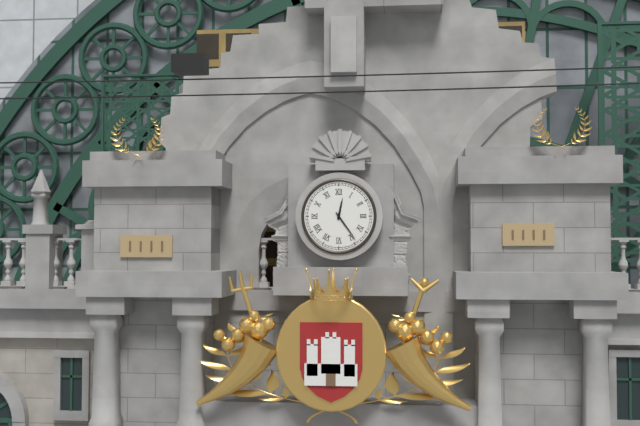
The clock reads **12:24**
